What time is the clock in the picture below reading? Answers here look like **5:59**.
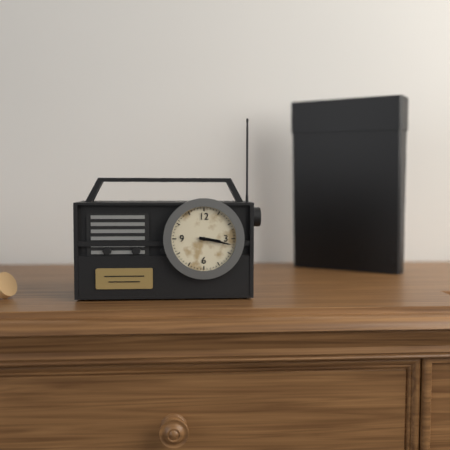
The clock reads **3:17**
